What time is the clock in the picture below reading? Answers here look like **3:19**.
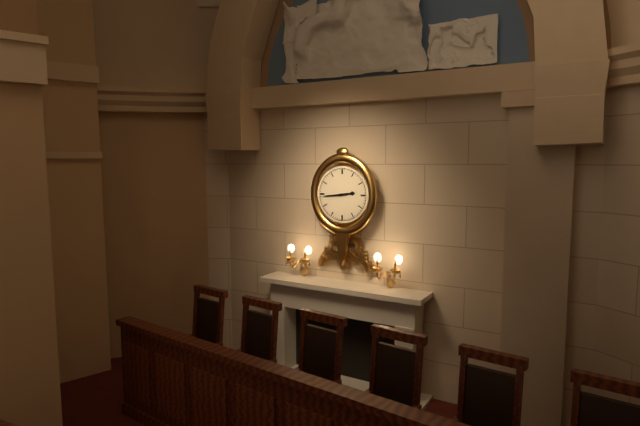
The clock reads **2:44**
